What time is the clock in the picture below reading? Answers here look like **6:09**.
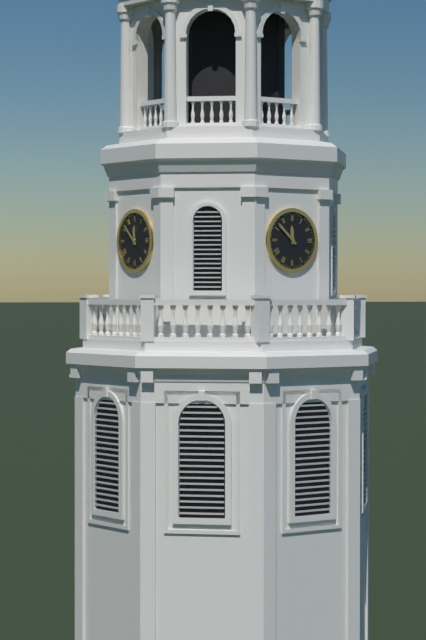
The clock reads **11:52**
